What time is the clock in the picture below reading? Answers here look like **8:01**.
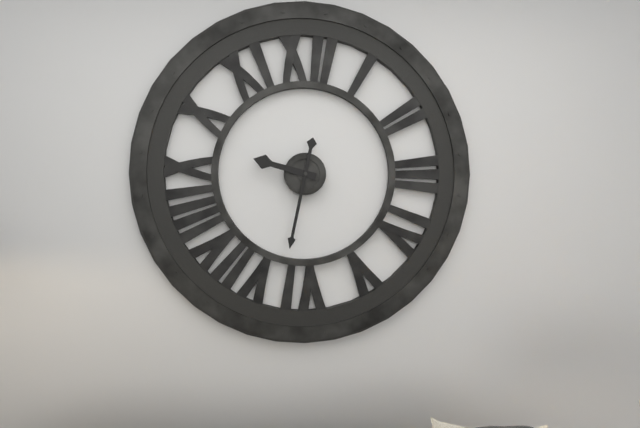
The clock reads **9:32**
